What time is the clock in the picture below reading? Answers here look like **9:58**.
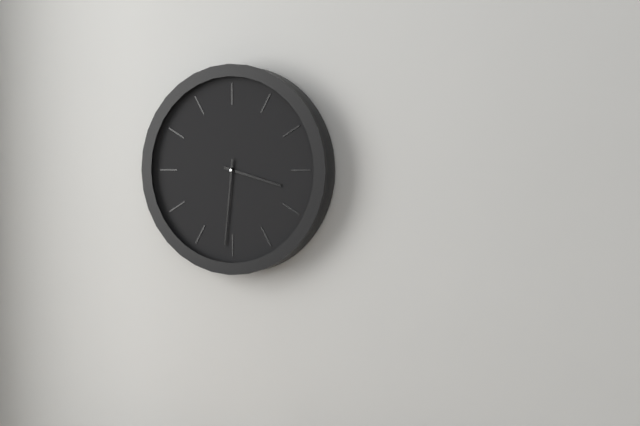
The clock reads **3:31**
